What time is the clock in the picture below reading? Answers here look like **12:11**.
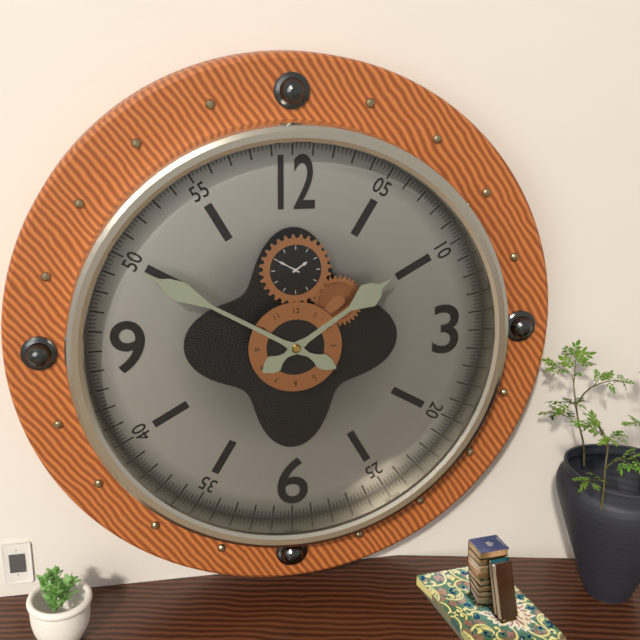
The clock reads **1:50**
